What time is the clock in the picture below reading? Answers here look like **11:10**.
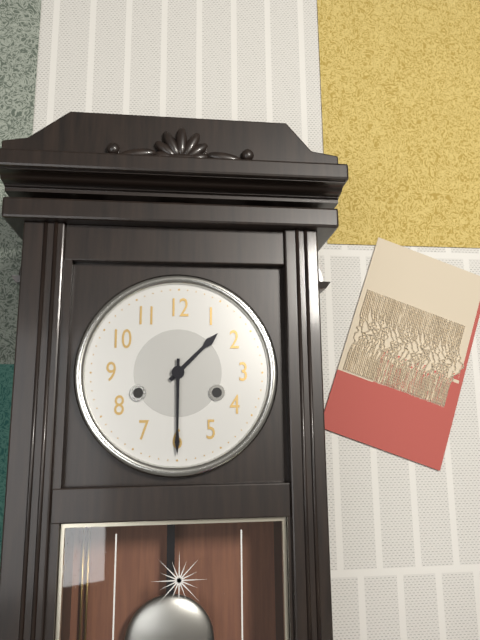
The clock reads **1:30**
